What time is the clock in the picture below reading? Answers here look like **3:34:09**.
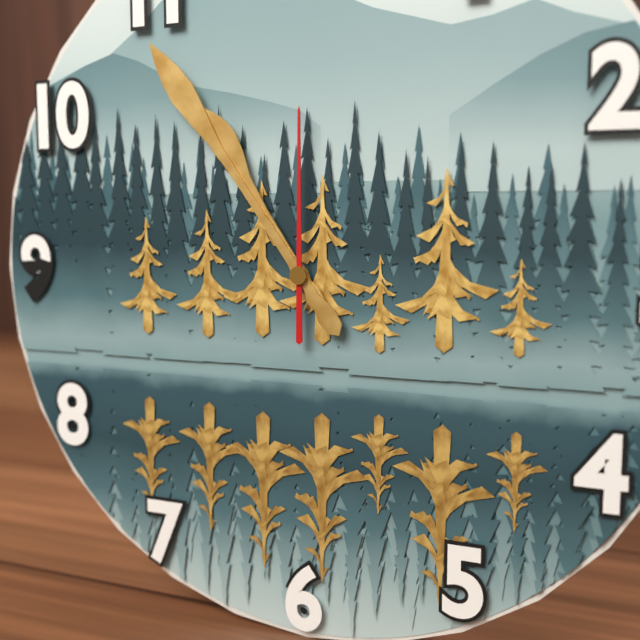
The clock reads **10:54:00**
